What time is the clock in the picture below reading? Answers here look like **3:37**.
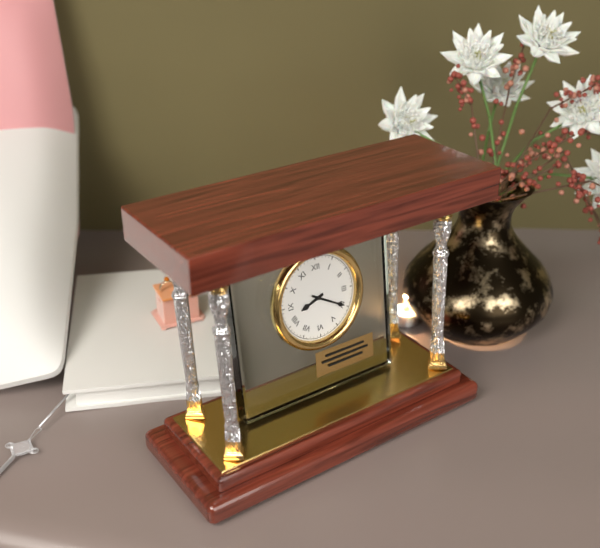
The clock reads **8:20**
